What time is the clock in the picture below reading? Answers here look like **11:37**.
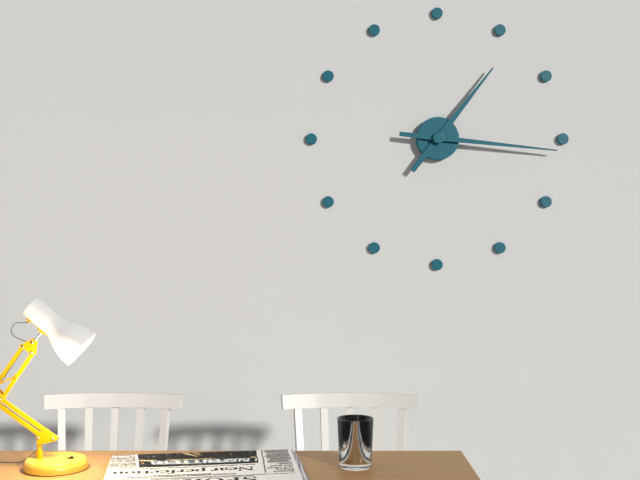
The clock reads **1:16**
